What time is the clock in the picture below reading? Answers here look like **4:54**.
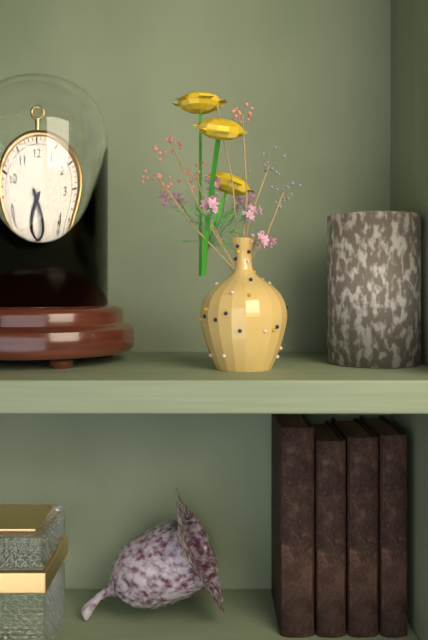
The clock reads **7:25**
